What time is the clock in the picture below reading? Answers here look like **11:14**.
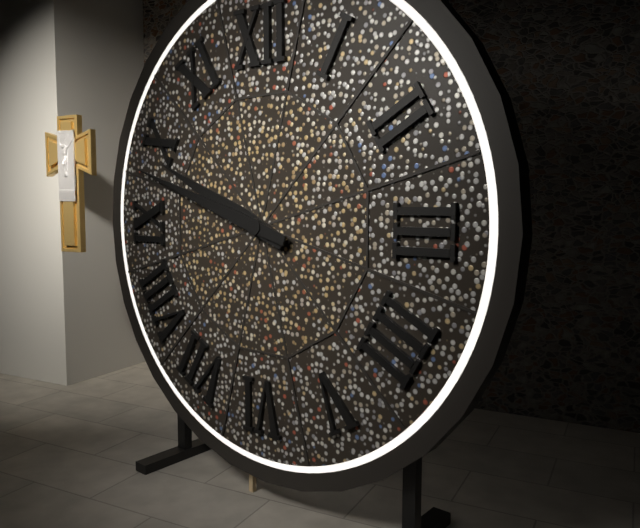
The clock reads **9:48**
